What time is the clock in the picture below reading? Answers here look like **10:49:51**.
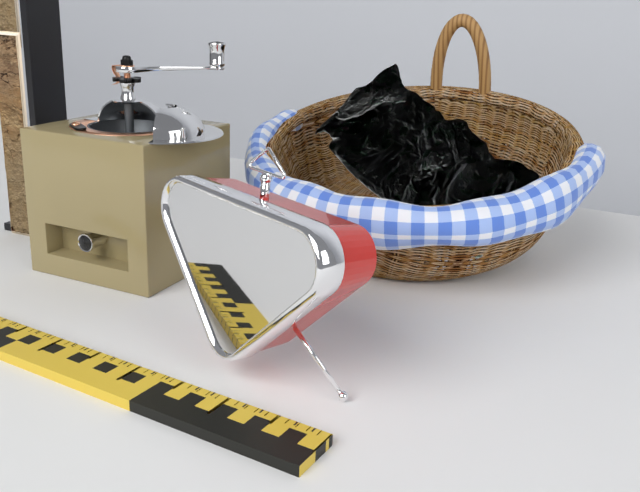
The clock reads **10:31:17**
